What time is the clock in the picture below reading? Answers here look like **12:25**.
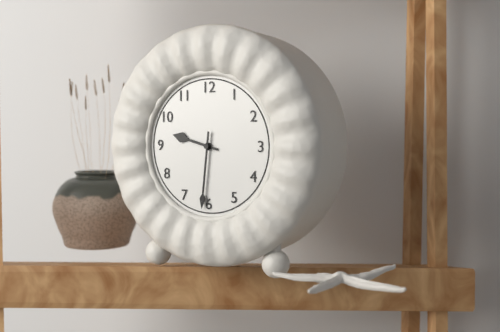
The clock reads **9:31**
